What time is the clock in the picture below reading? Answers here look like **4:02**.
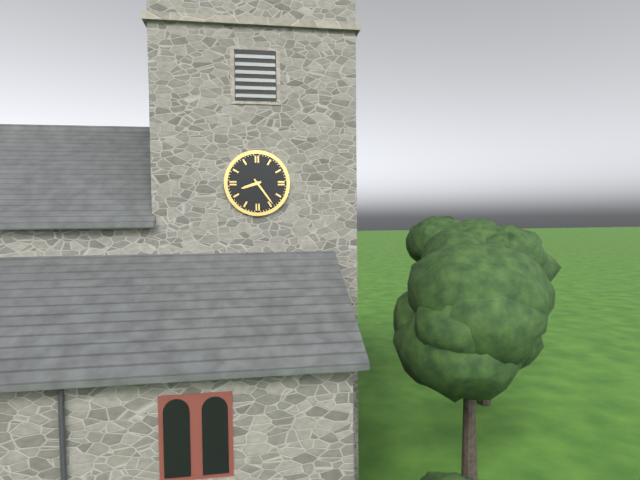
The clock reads **8:24**
